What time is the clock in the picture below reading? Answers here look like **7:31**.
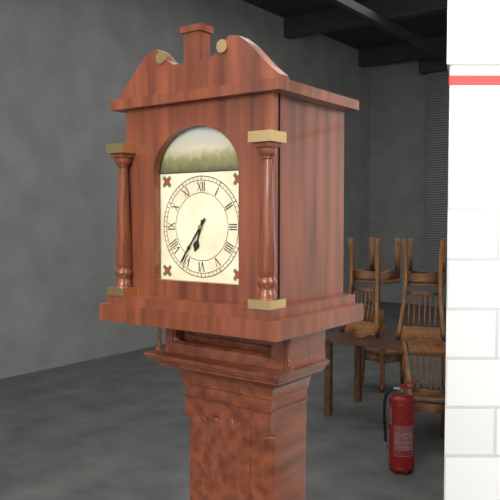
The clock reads **6:36**
